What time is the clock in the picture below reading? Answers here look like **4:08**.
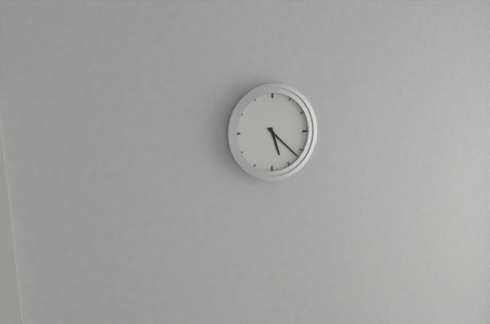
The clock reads **5:22**
